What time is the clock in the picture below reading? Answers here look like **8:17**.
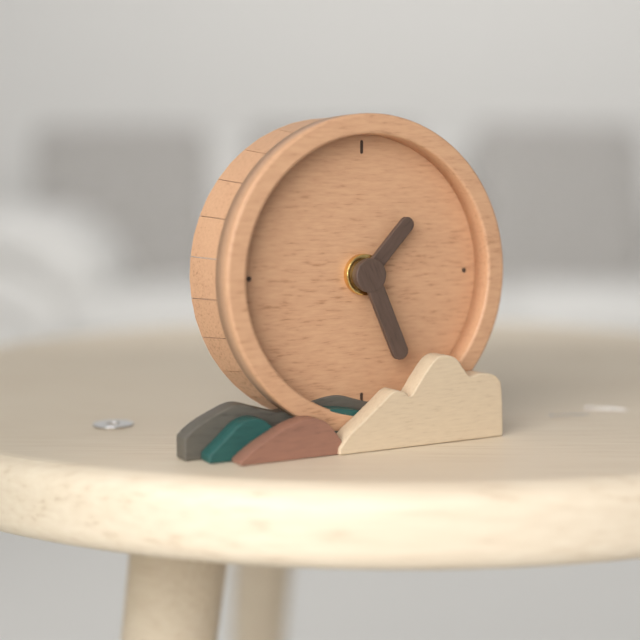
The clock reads **1:26**
